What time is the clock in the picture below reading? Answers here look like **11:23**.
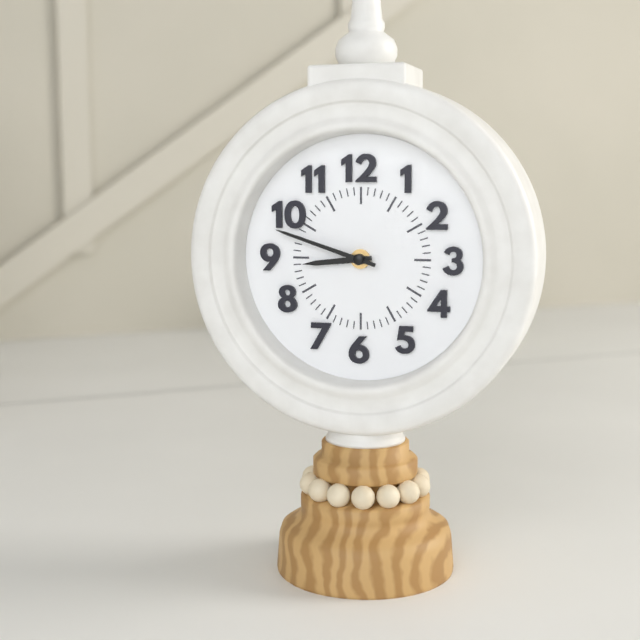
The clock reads **8:48**
